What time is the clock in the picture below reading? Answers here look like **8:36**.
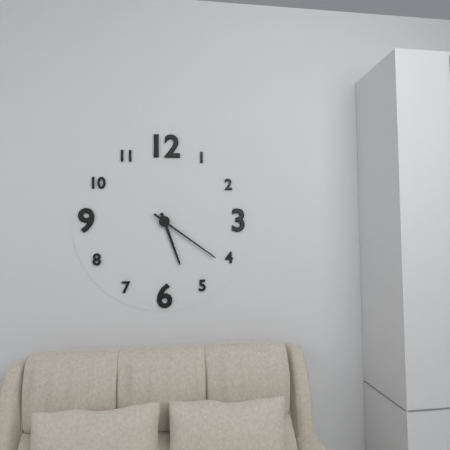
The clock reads **5:21**
